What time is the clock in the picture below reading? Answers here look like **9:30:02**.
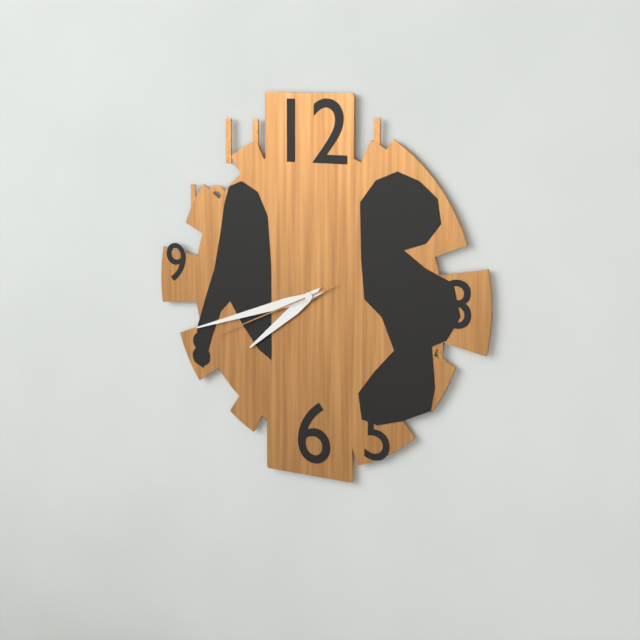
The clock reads **7:42:41**
